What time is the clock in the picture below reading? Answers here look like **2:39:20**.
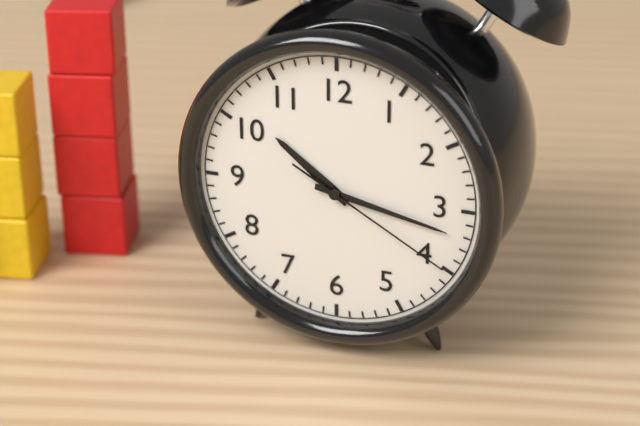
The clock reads **10:17:20**
